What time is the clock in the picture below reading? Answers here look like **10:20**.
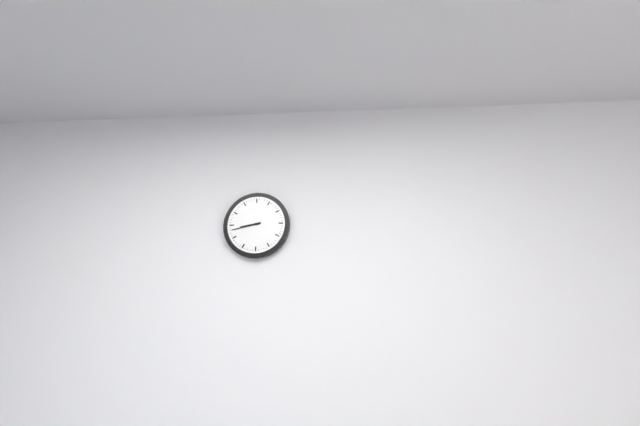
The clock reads **8:43**
